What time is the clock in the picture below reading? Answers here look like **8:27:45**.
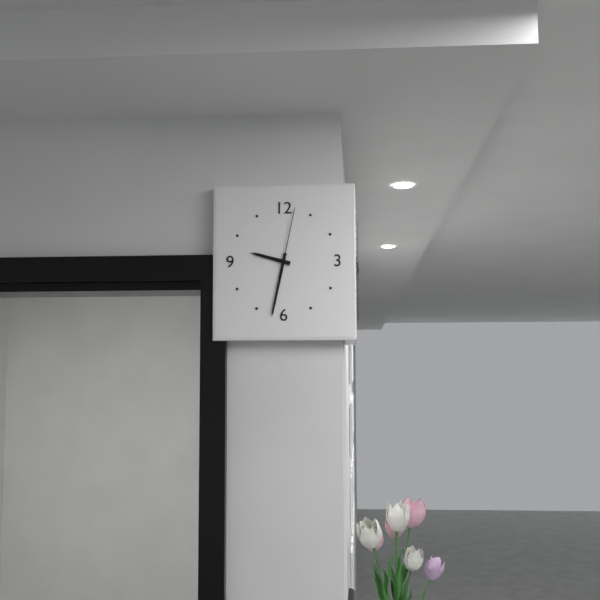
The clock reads **9:32:02**
